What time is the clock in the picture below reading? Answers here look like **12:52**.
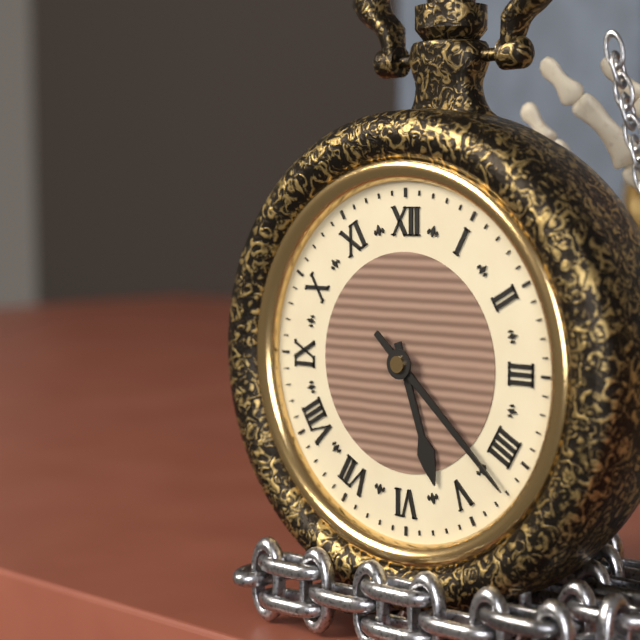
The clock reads **5:22**
